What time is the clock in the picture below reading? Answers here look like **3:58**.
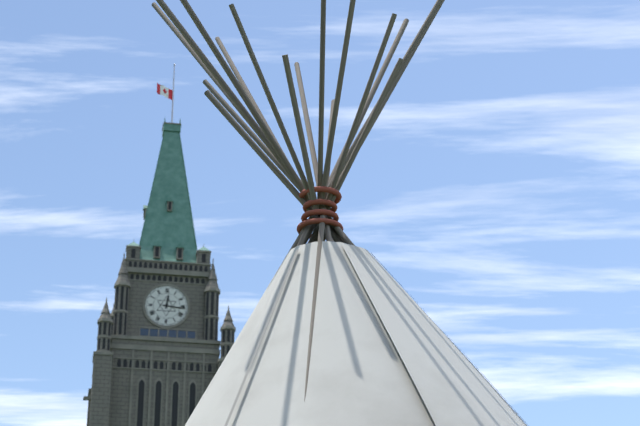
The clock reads **12:16**
